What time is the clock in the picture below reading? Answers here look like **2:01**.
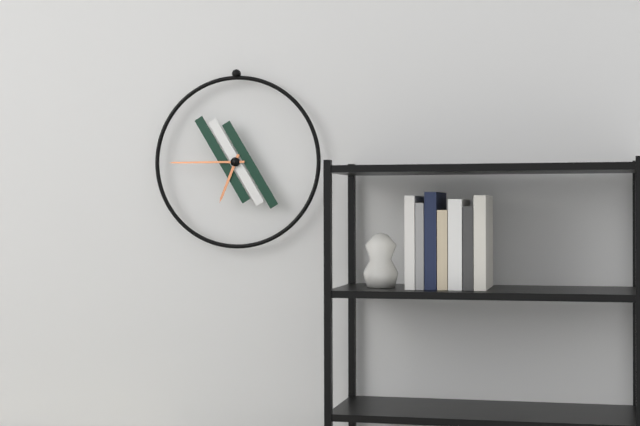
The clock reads **6:45**
